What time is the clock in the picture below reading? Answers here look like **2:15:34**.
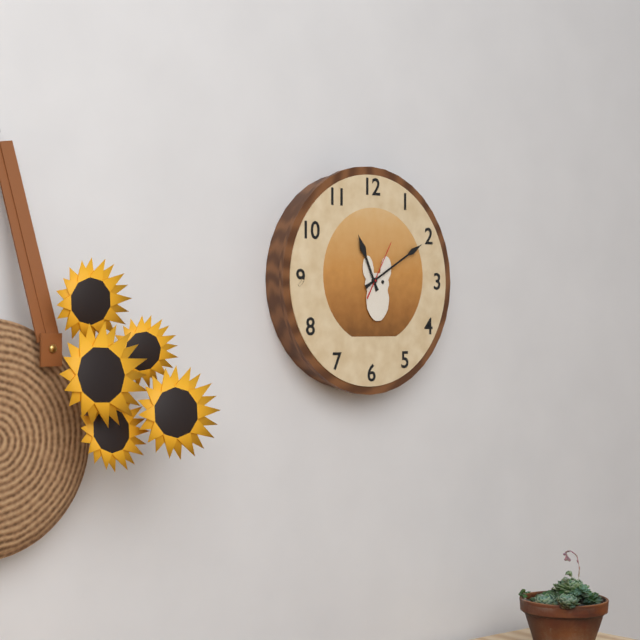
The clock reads **11:10:05**
